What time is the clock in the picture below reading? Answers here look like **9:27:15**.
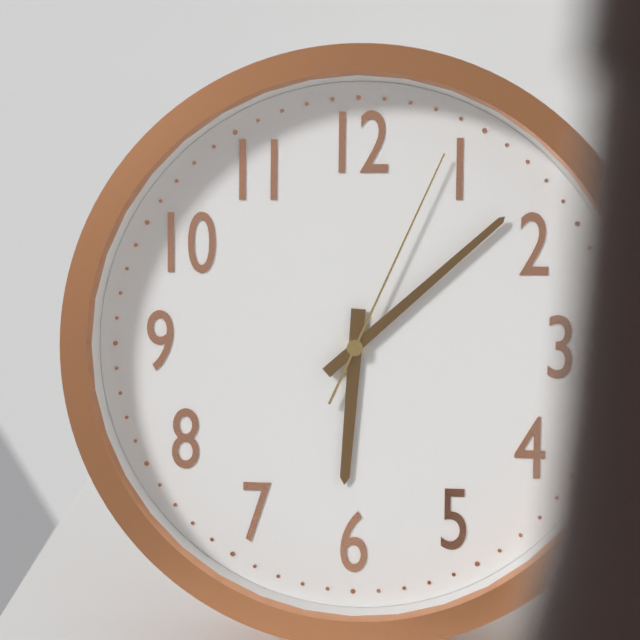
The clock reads **6:08:04**
